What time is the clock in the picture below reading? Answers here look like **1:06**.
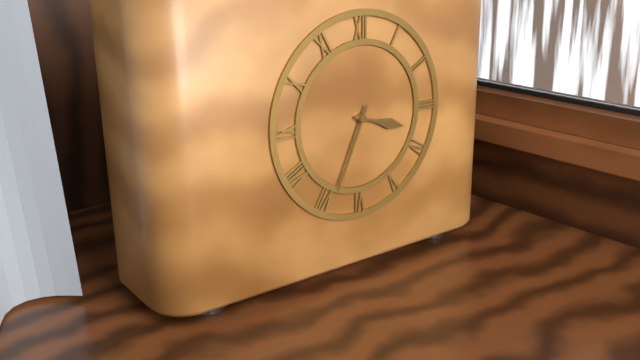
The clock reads **3:34**
